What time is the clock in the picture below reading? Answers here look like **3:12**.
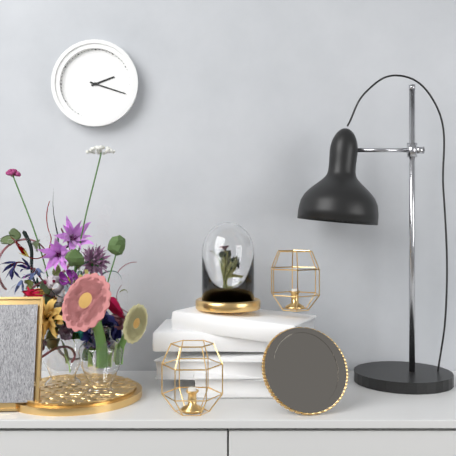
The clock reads **2:18**
